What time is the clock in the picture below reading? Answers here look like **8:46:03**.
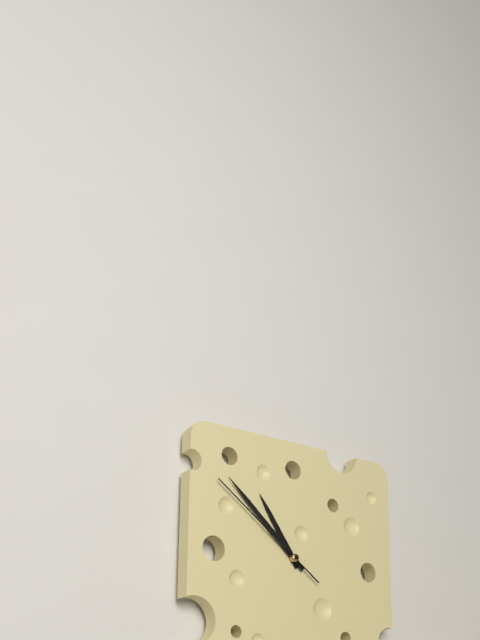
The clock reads **10:52:51**
